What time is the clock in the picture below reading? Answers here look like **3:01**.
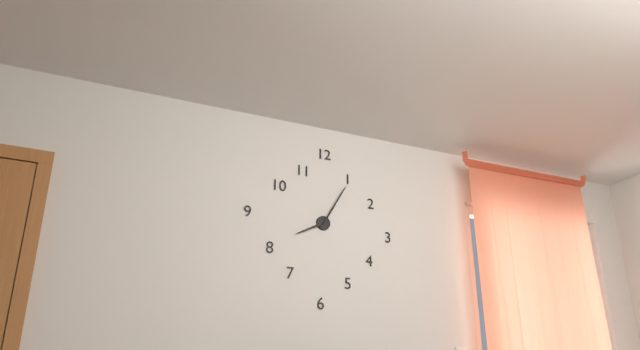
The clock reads **8:05**
